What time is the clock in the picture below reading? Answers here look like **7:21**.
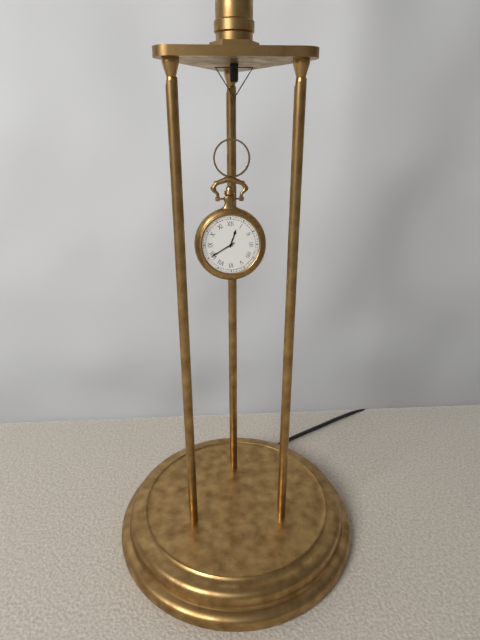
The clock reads **12:40**
